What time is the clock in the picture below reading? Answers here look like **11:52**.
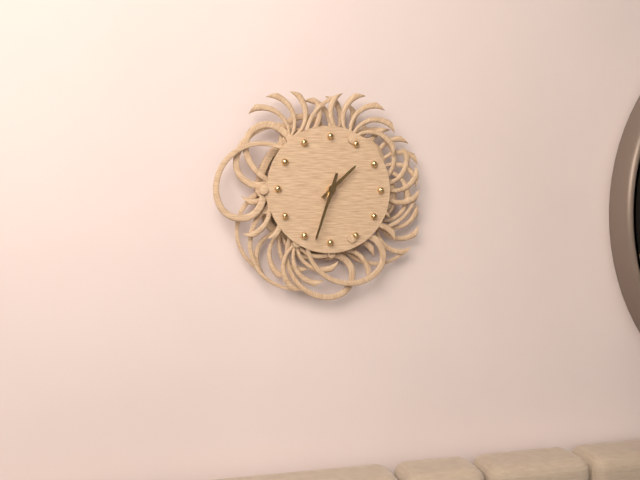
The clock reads **1:33**
